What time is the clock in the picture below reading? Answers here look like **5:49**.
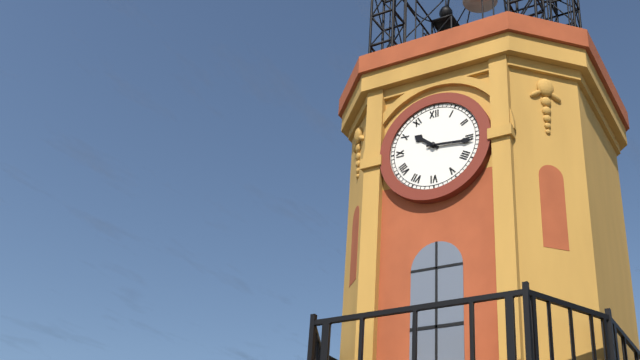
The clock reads **10:16**
